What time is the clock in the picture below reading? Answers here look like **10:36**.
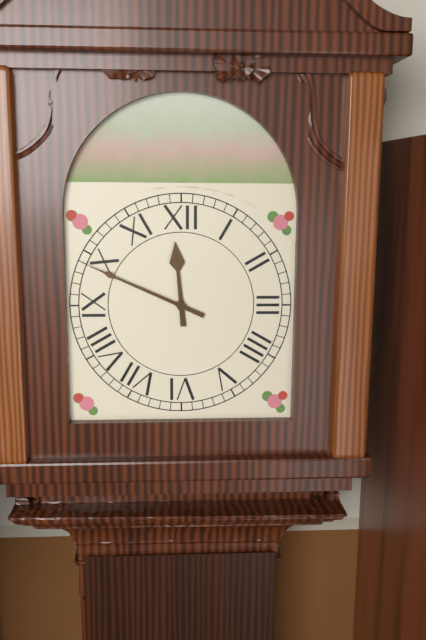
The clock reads **11:49**
